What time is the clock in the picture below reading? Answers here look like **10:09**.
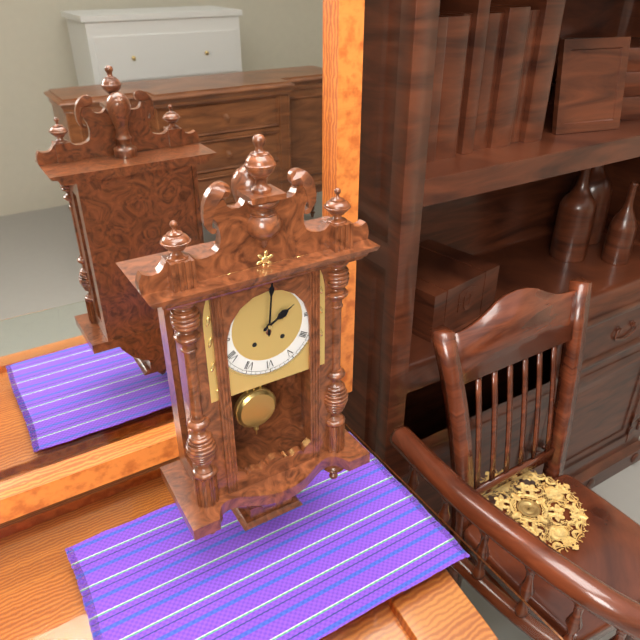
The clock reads **2:01**
